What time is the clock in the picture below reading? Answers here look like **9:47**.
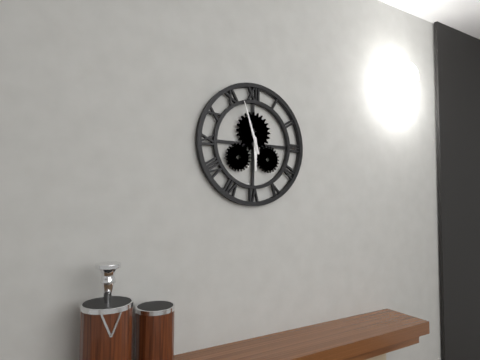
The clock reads **5:57**
